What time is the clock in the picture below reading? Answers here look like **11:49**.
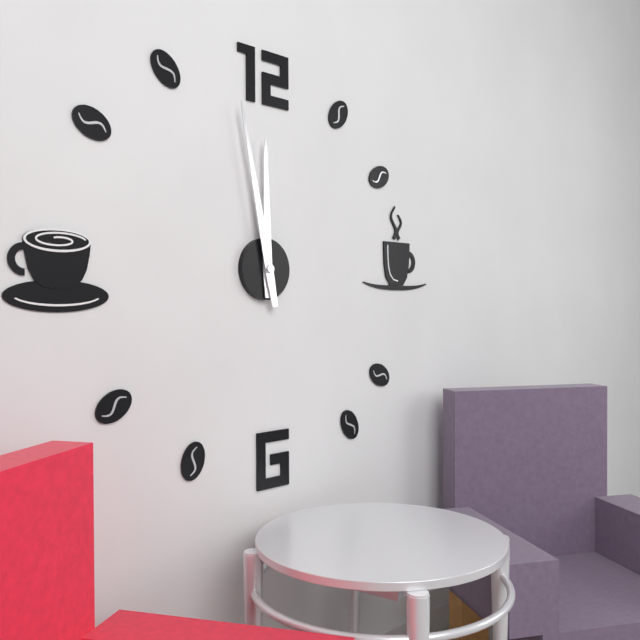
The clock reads **11:58**
